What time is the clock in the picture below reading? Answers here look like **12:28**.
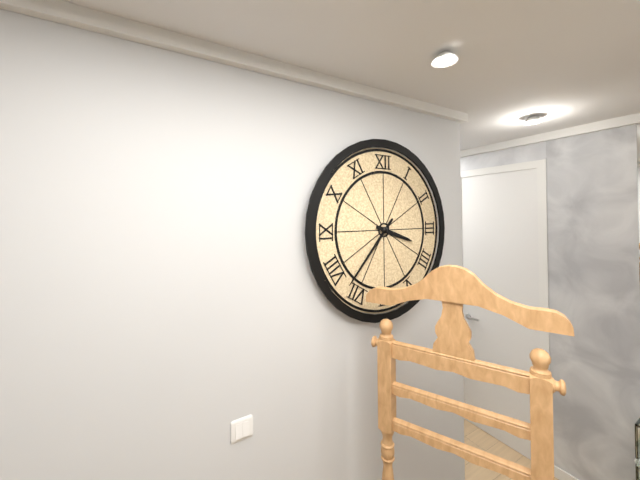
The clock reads **3:37**
